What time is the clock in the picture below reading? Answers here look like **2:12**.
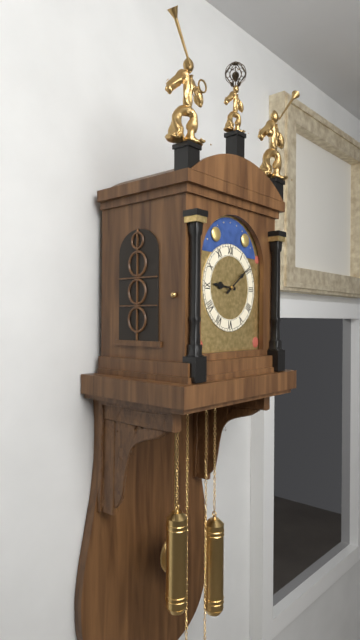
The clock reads **9:09**
